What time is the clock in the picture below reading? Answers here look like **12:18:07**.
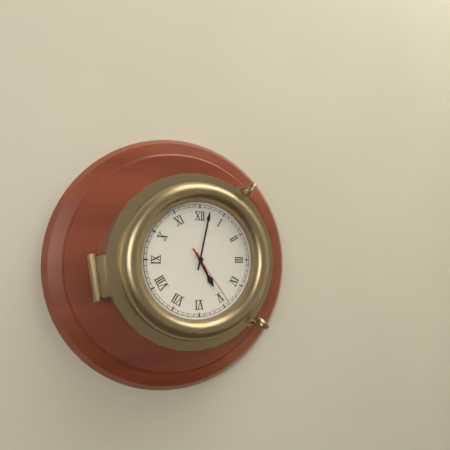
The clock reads **5:02:24**
